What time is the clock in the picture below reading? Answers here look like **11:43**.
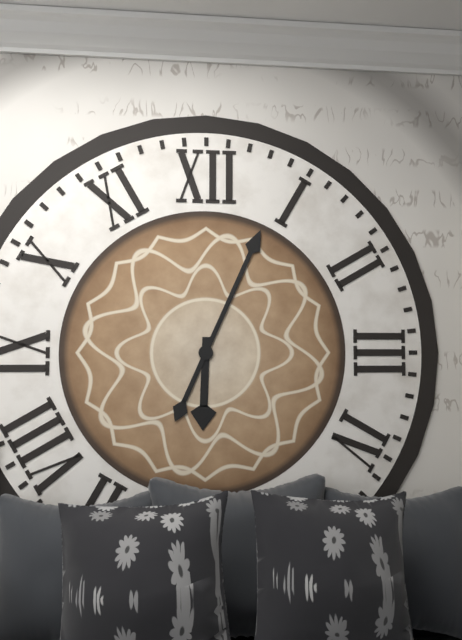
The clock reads **6:04**
